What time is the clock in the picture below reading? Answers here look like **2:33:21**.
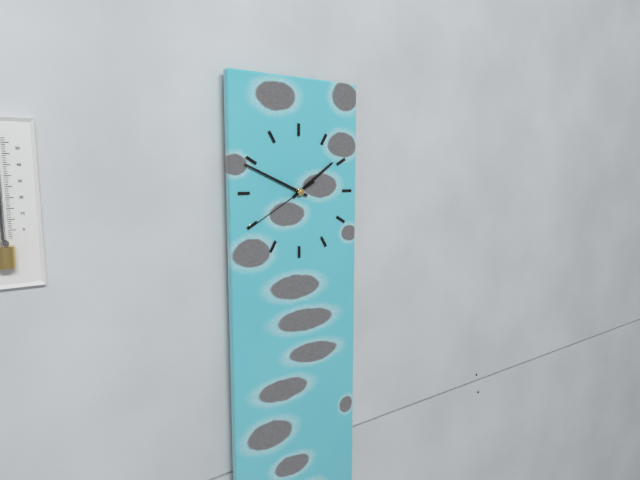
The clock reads **1:49:40**
